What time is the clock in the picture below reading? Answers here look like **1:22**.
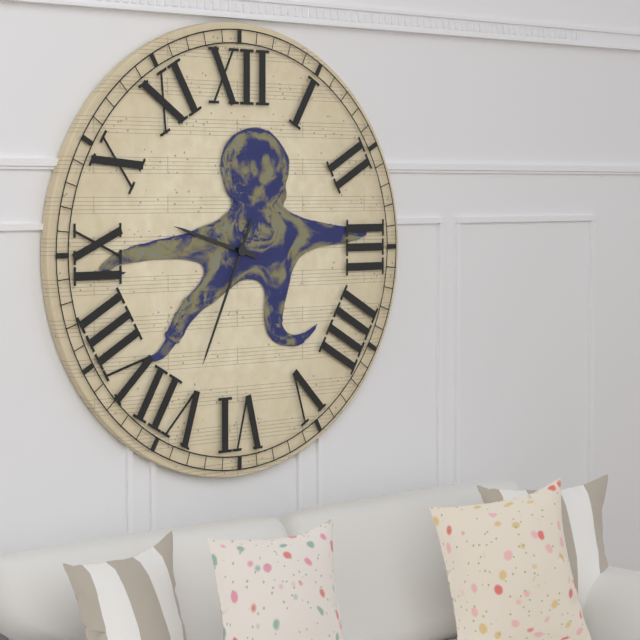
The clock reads **9:34**
